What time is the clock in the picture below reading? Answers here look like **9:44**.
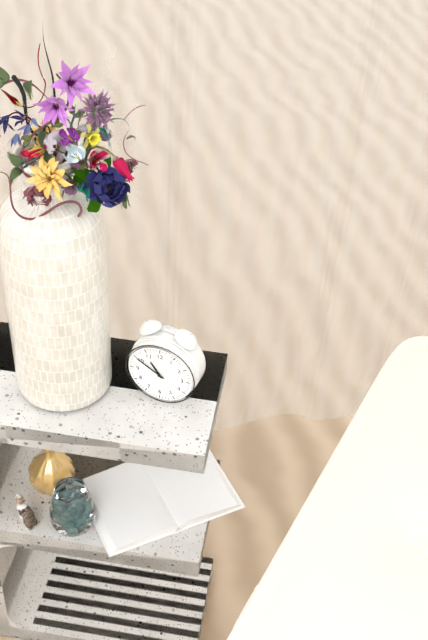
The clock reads **10:50**
